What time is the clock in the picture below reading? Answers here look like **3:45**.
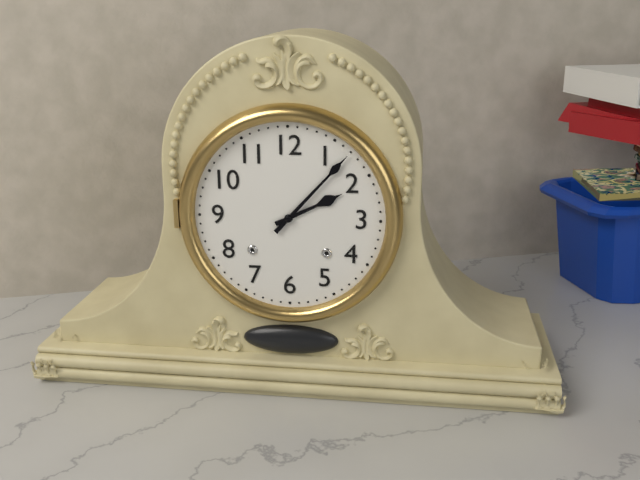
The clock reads **2:07**
